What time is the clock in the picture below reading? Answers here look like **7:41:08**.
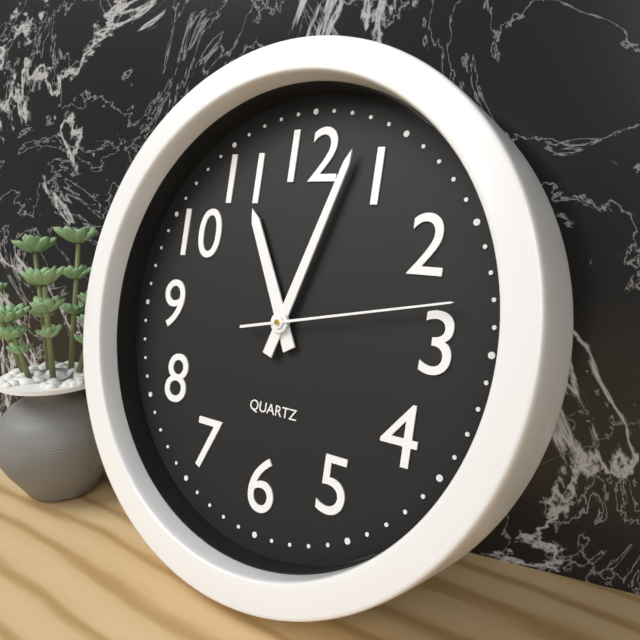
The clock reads **11:03:13**
